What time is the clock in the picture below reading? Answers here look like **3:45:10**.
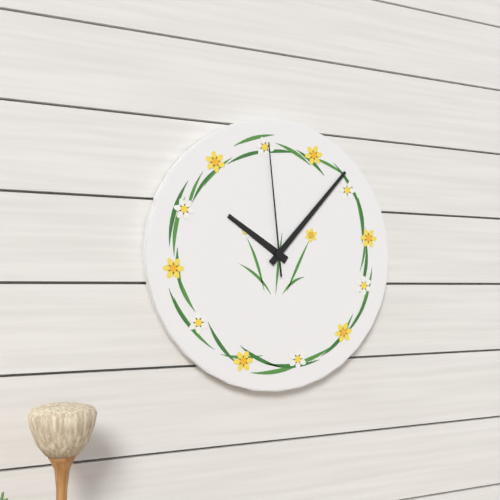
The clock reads **10:07:59**
